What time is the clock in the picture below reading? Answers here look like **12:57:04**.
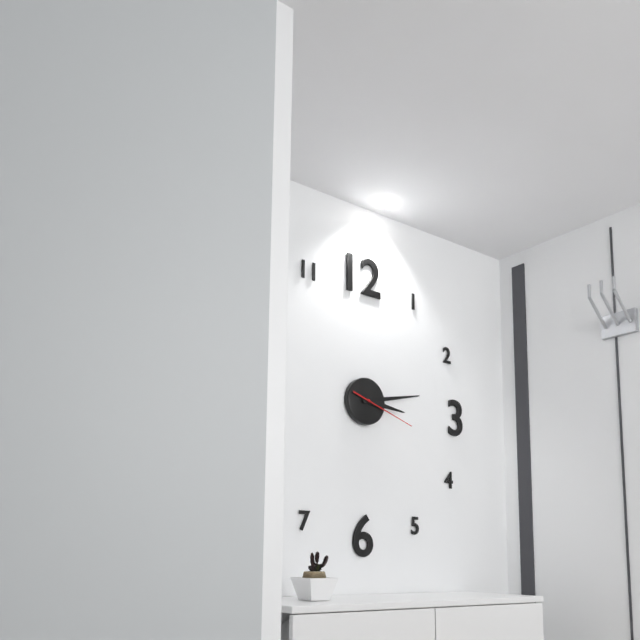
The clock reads **3:13:18**
